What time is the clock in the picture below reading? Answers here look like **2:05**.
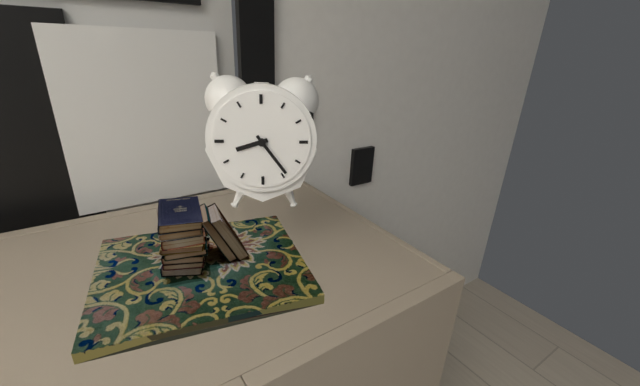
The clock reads **8:24**
